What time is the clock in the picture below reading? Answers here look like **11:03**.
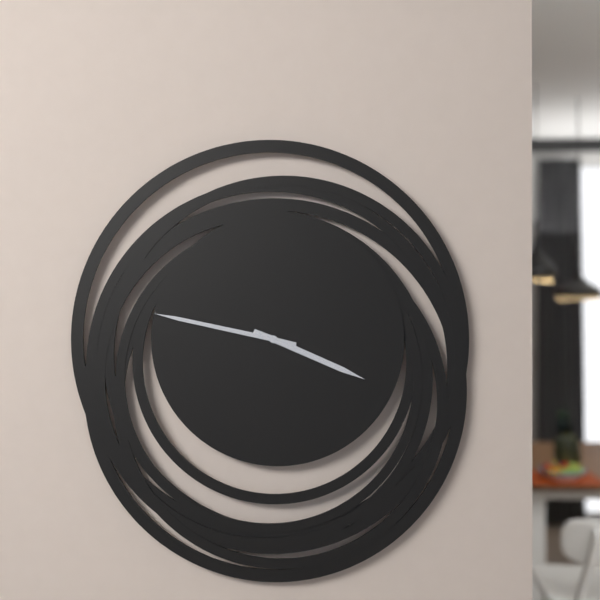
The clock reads **3:47**
